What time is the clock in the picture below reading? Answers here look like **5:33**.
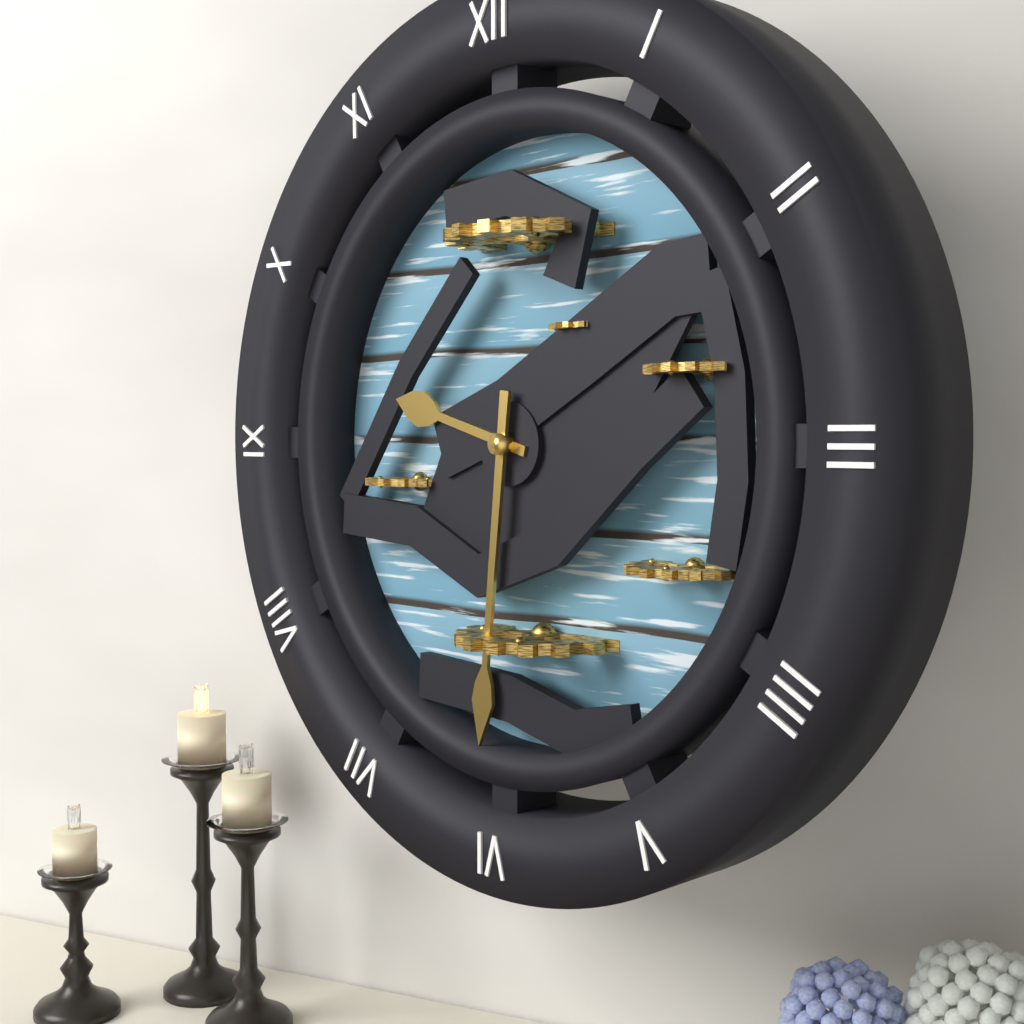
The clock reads **9:31**
